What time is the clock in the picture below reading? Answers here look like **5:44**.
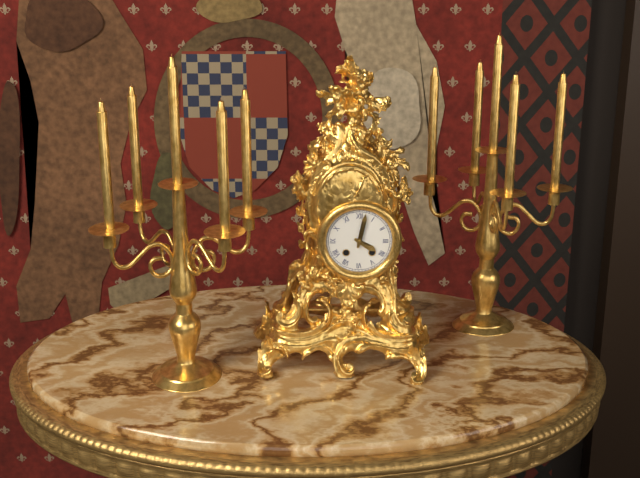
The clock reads **4:02**
